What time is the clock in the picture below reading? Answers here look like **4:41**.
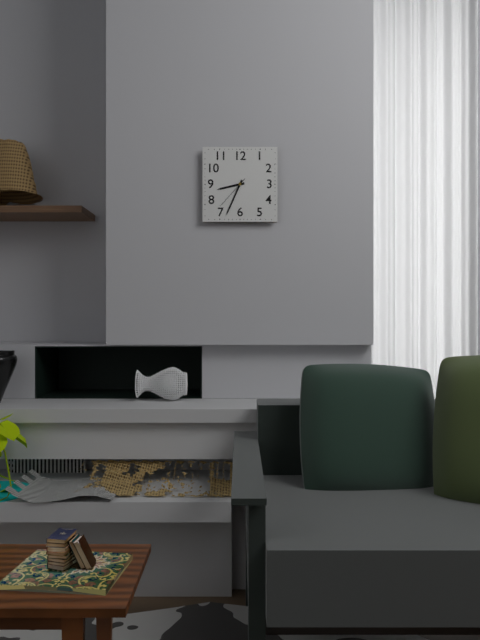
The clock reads **8:34**
